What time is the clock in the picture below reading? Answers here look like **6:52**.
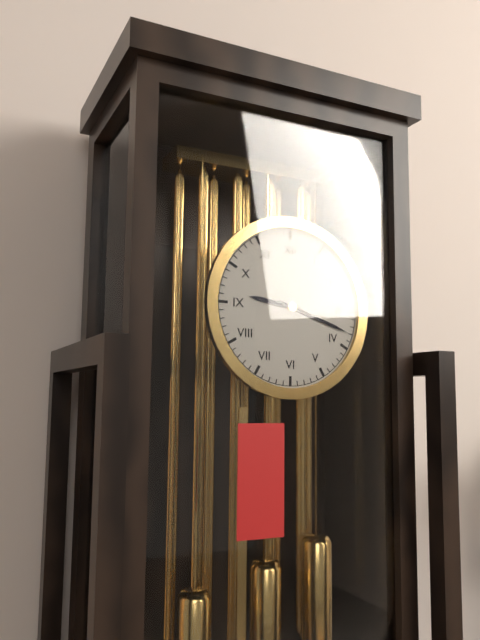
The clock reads **9:18**
